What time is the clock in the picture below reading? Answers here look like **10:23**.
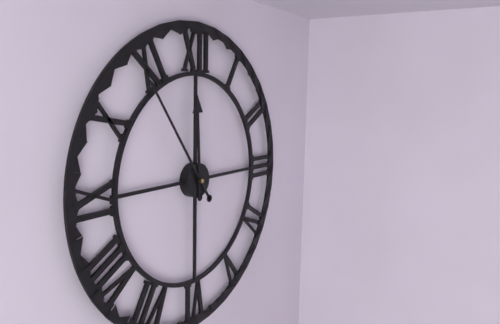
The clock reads **11:54**
